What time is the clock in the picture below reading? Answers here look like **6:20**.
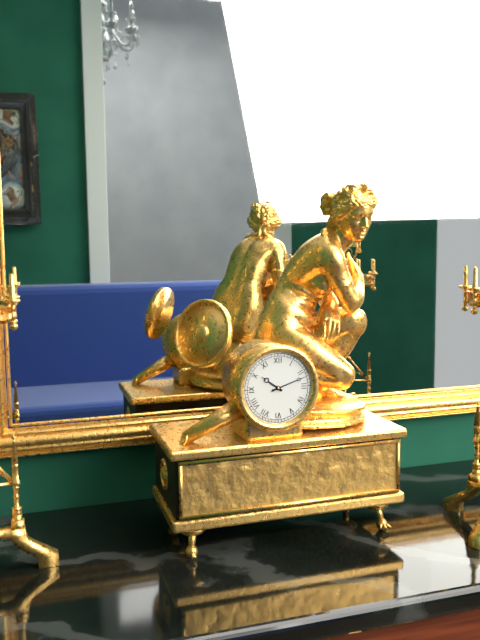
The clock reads **10:12**
